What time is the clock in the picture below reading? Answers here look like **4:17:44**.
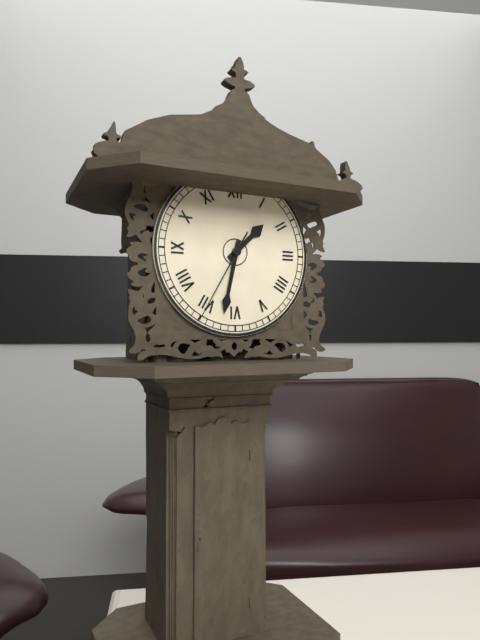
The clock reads **1:32:35**
